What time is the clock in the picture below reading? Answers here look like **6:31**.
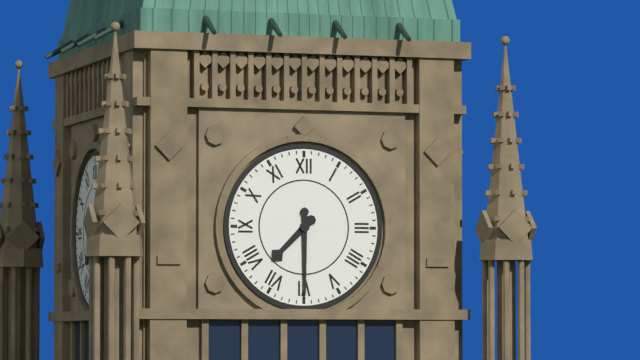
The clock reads **7:30**
